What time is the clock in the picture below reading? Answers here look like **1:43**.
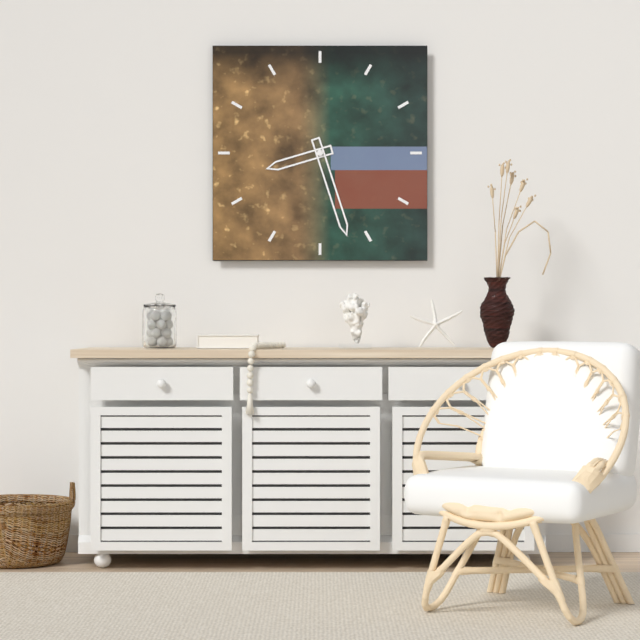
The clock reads **8:27**
